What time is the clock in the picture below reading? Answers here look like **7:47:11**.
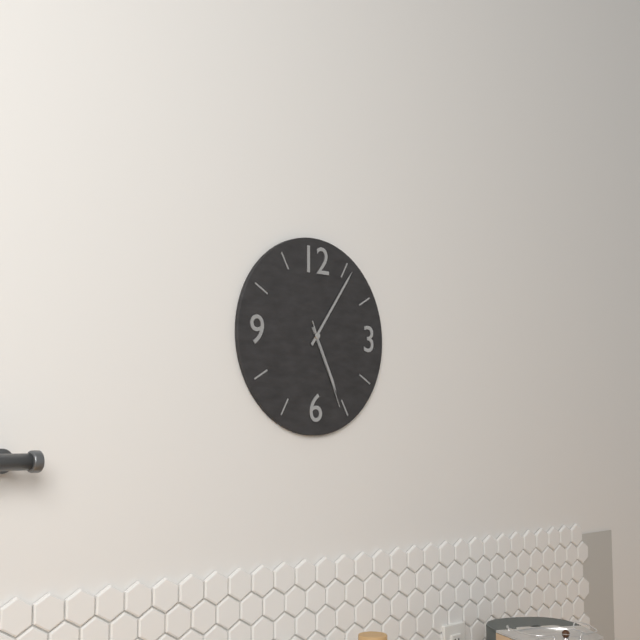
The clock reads **5:06:26**
